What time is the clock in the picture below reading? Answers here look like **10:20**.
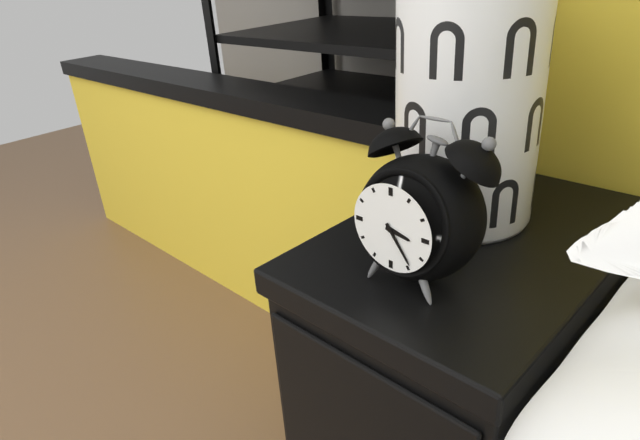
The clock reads **3:24**
